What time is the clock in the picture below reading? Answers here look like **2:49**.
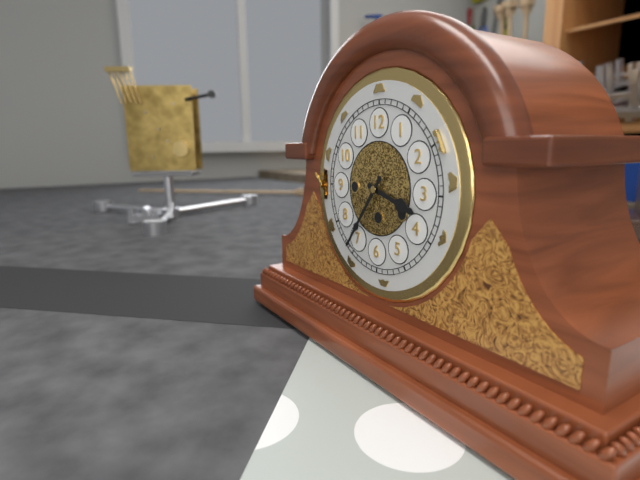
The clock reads **3:36**
